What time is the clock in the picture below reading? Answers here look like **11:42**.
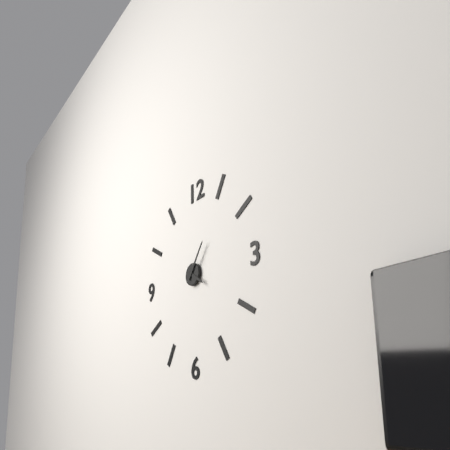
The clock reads **4:06**
